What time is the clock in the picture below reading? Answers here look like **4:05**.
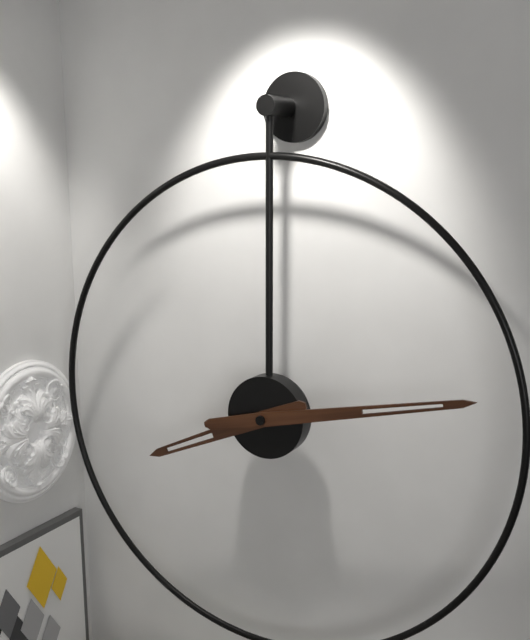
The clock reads **8:13**
